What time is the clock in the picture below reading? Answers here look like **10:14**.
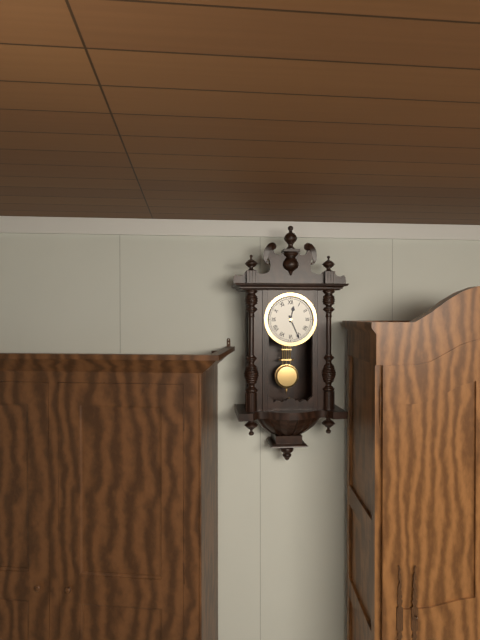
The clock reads **12:26**
